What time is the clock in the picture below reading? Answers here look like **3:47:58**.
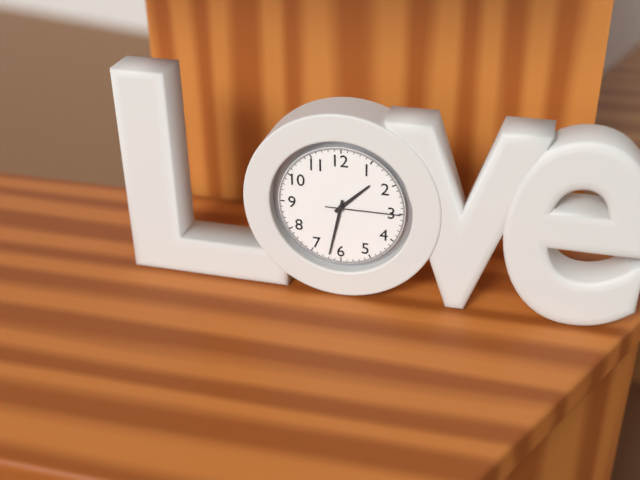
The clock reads **1:32:15**
